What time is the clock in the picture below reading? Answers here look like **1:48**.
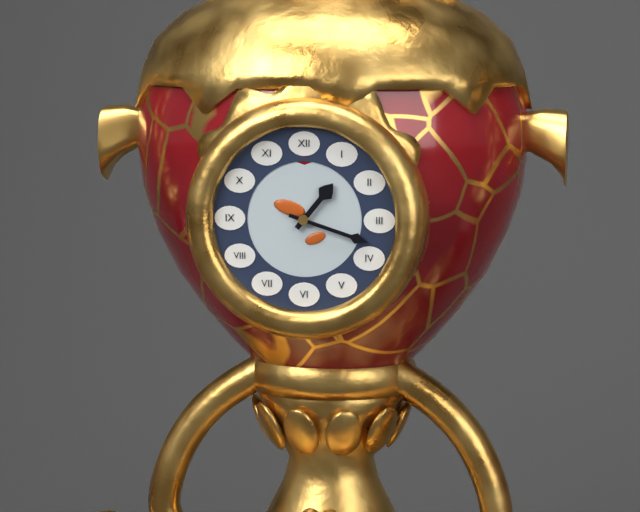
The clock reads **1:18**
